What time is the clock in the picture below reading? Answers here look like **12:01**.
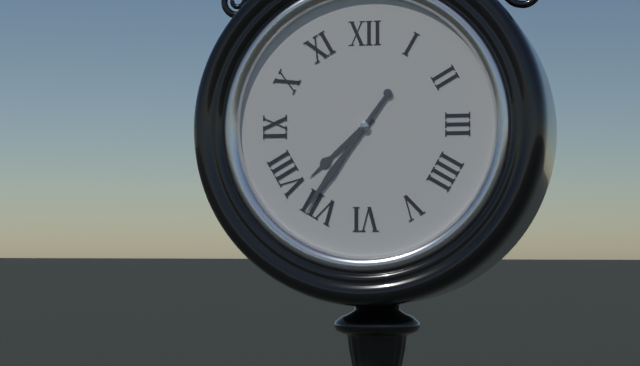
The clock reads **7:36**
